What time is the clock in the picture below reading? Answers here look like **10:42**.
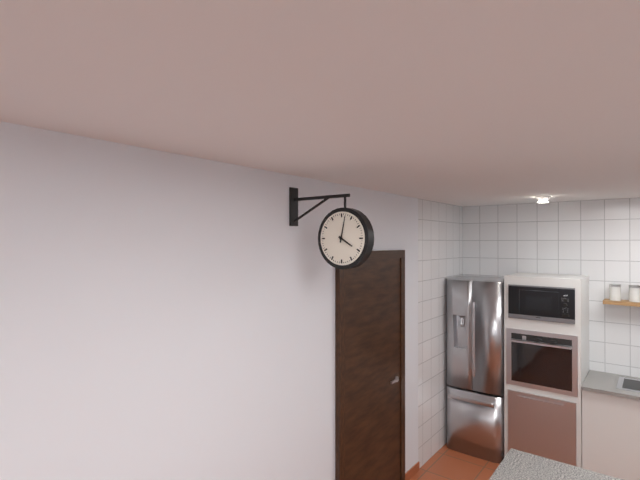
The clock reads **4:02**
